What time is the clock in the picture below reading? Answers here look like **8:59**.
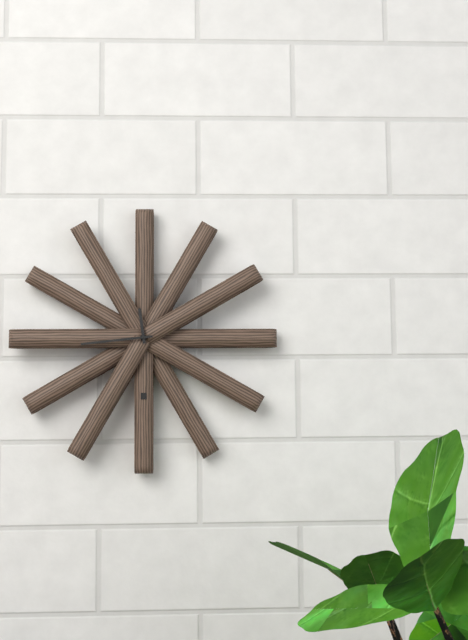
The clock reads **11:44**
